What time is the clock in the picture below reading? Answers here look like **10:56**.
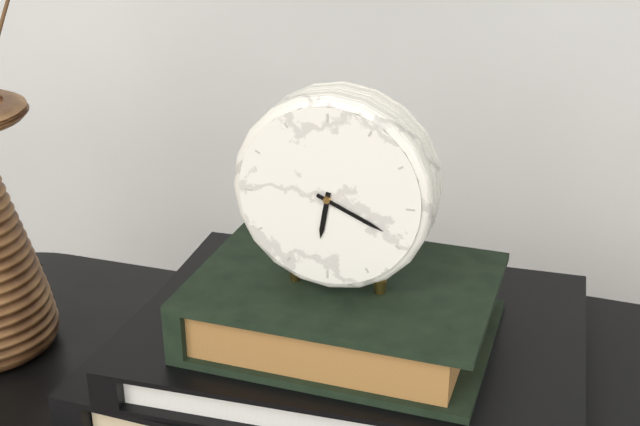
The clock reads **6:19**
